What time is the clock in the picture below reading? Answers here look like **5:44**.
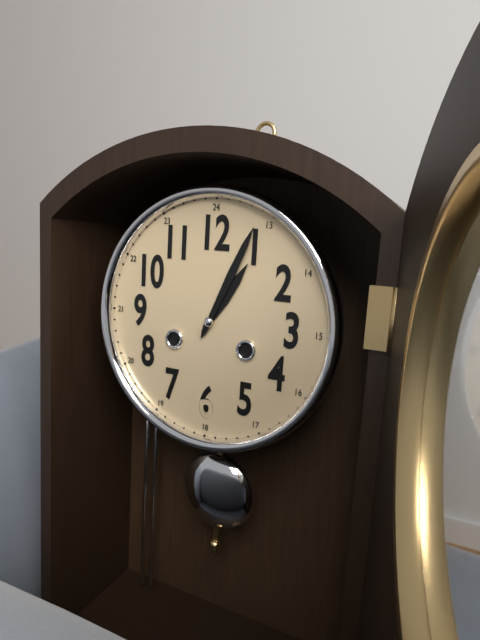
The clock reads **1:04**
